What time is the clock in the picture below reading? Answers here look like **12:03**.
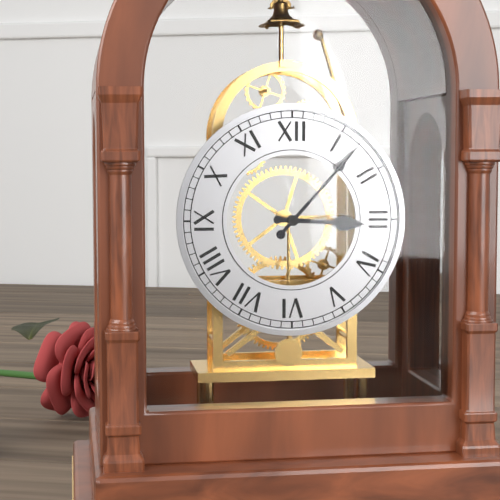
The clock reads **3:07**
